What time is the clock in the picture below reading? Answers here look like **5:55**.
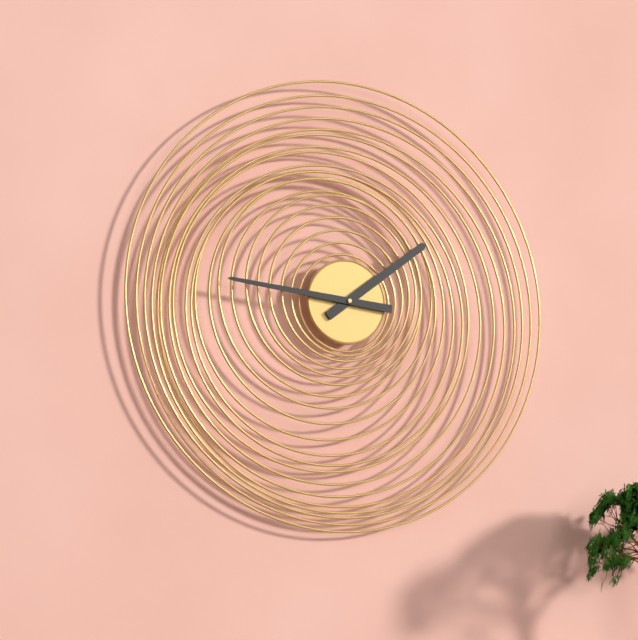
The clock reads **1:46**
